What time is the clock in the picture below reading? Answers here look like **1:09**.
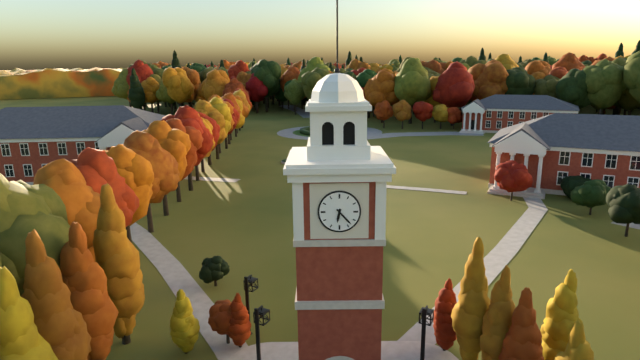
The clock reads **6:23**
